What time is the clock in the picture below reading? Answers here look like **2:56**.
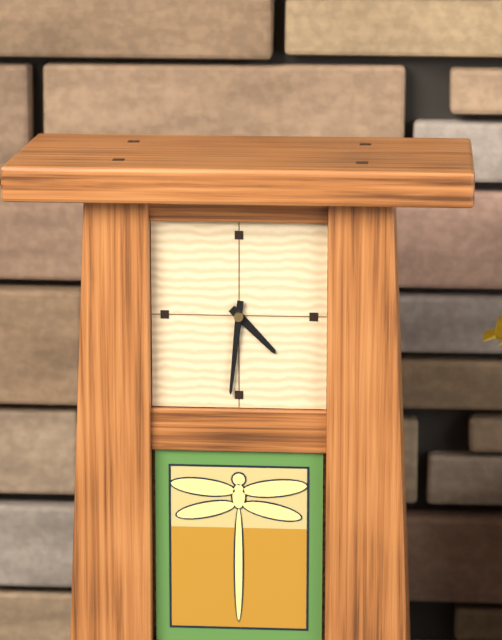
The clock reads **4:31**
